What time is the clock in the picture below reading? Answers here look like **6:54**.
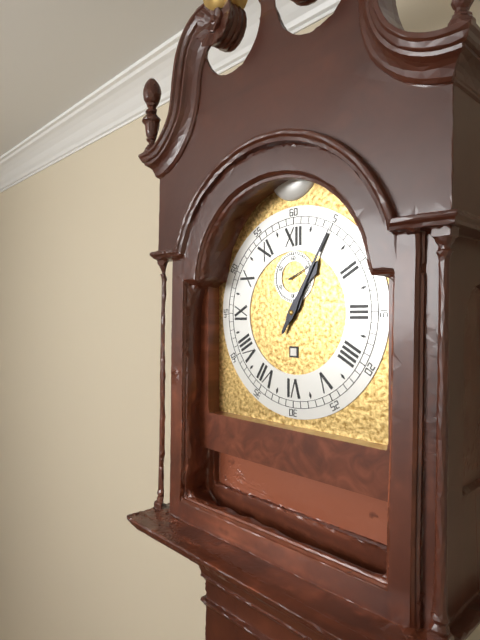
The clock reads **1:05**
